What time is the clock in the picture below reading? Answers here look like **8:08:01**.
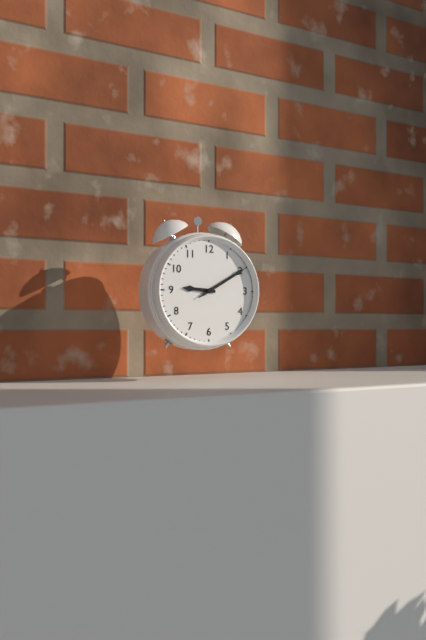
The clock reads **9:10:10**
